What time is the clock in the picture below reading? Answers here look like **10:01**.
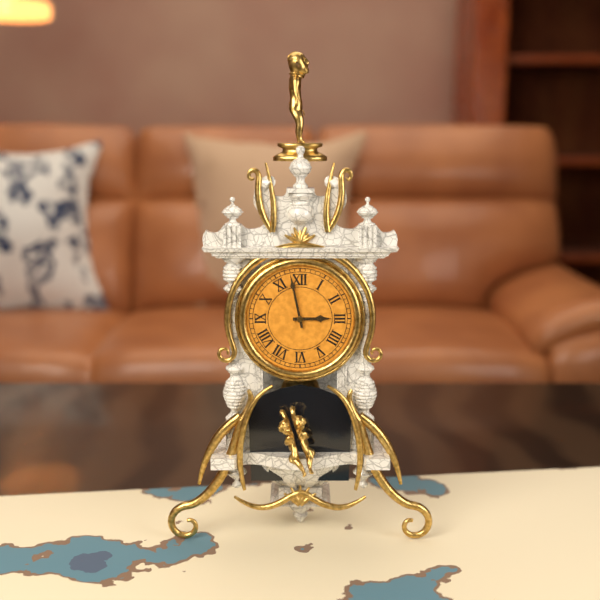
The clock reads **2:58**
